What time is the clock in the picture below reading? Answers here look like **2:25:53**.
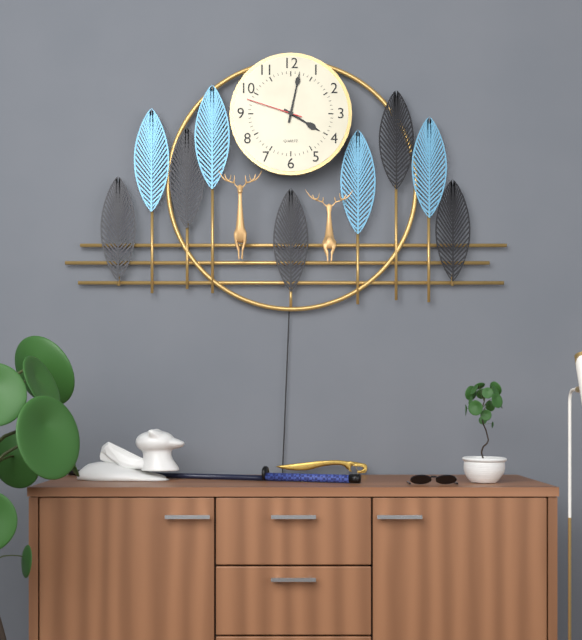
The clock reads **4:02:48**
